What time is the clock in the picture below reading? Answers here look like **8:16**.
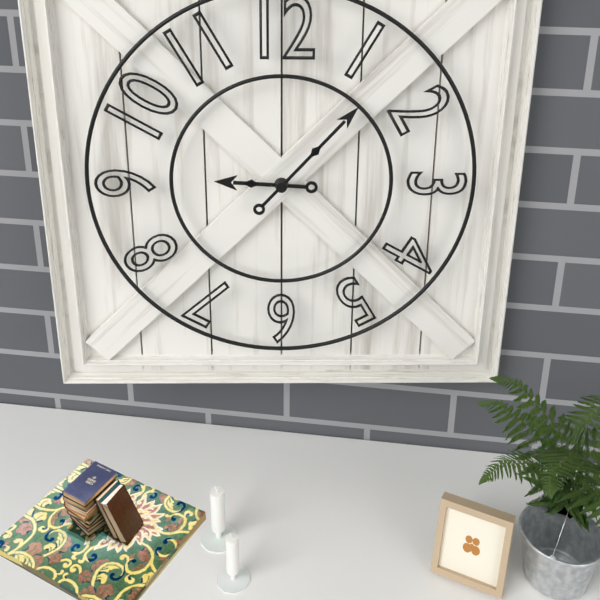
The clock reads **9:07**
